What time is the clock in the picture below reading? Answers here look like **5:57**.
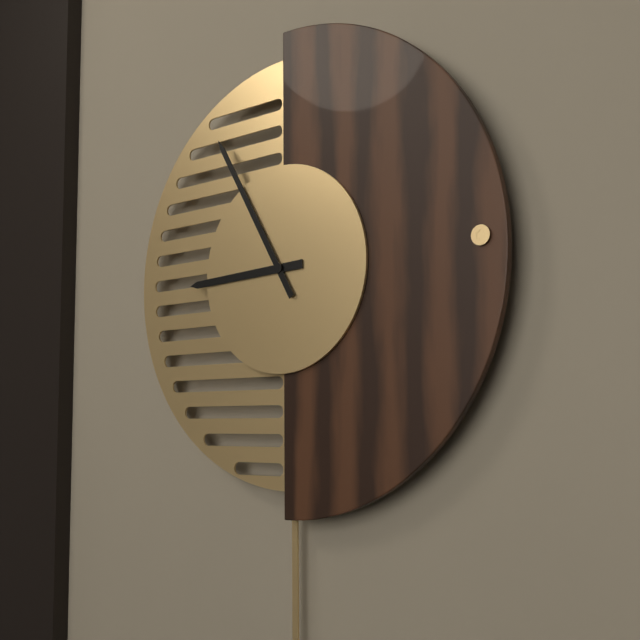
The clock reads **8:55**
